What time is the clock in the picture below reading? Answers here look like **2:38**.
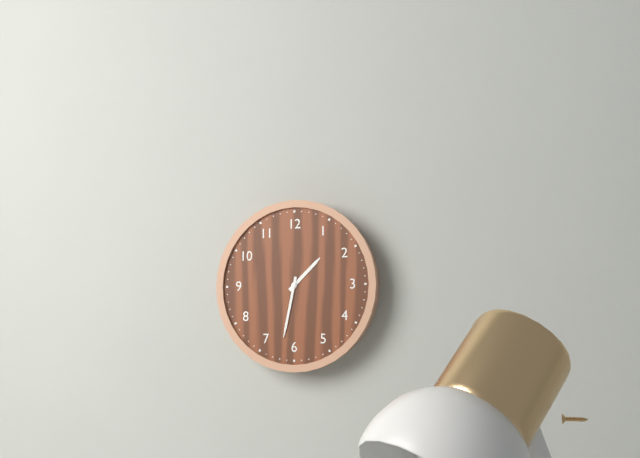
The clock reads **1:32**
